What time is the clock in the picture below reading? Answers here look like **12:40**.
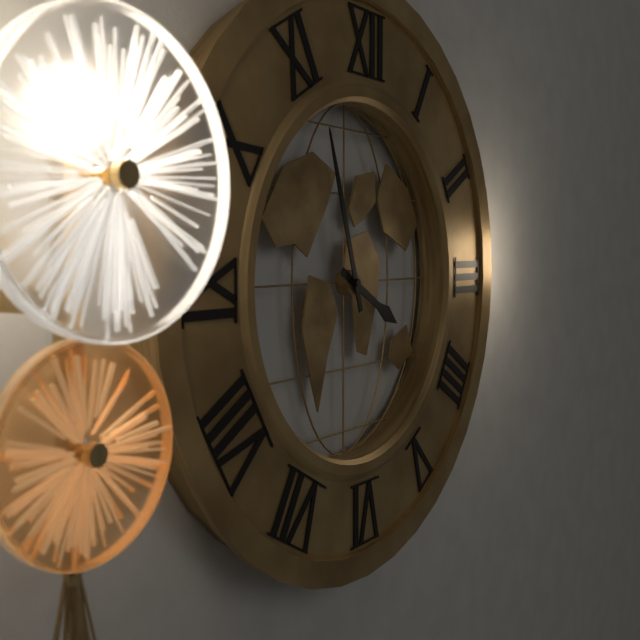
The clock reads **3:57**
